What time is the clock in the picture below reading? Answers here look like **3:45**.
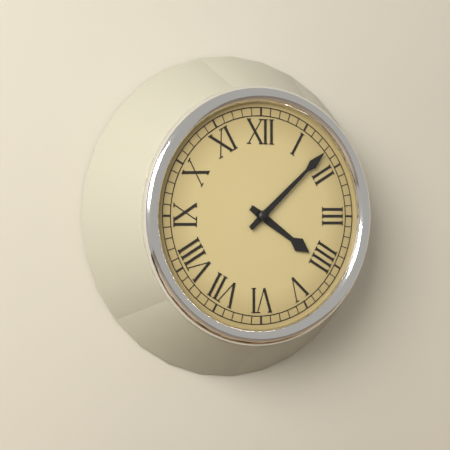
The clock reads **4:08**
